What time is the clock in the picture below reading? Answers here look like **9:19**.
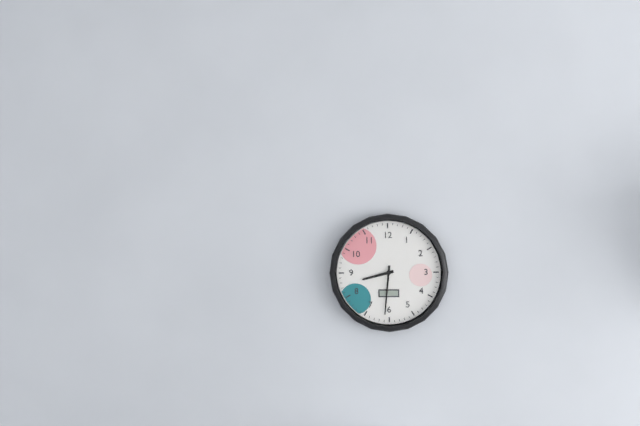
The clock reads **8:31**
